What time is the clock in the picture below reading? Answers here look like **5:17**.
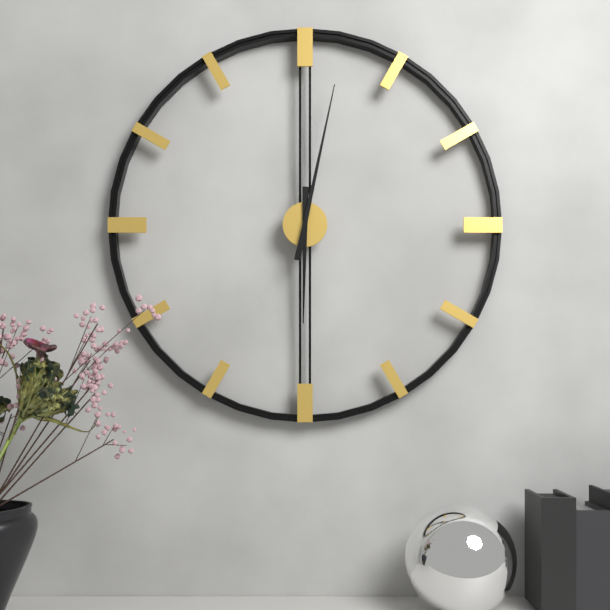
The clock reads **6:02**
